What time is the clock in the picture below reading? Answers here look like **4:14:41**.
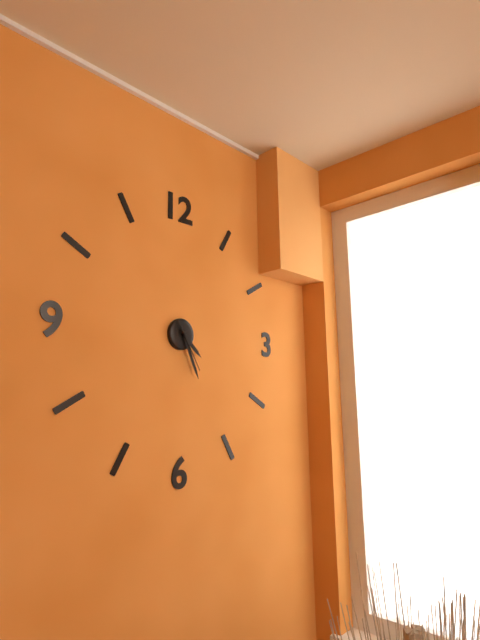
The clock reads **4:26:25**
